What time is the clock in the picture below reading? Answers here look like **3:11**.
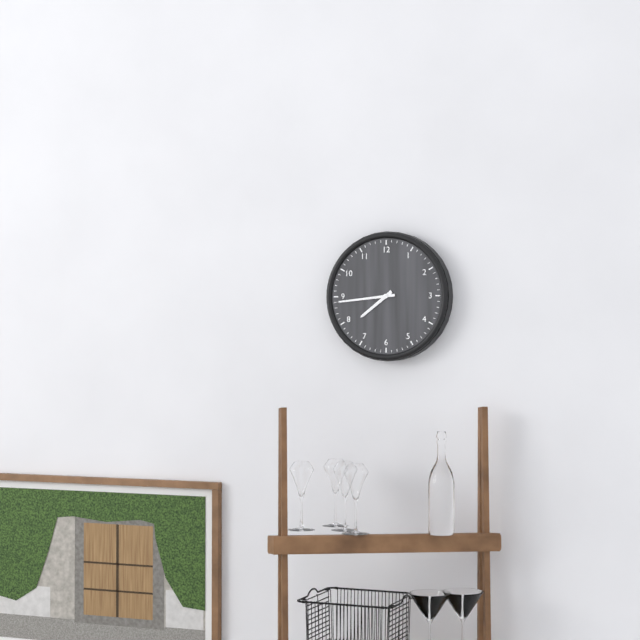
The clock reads **7:44**
